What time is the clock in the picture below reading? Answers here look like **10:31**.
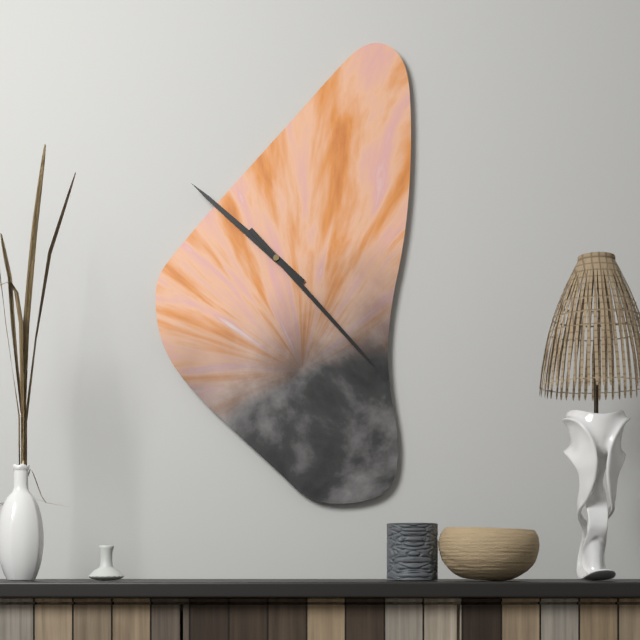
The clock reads **10:23**
